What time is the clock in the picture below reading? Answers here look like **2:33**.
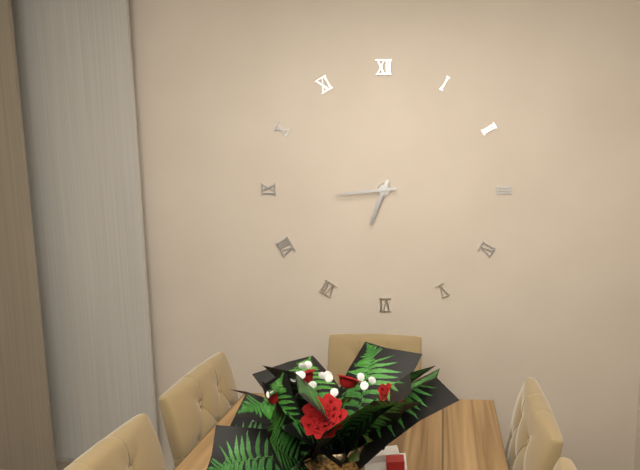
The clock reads **6:44**
